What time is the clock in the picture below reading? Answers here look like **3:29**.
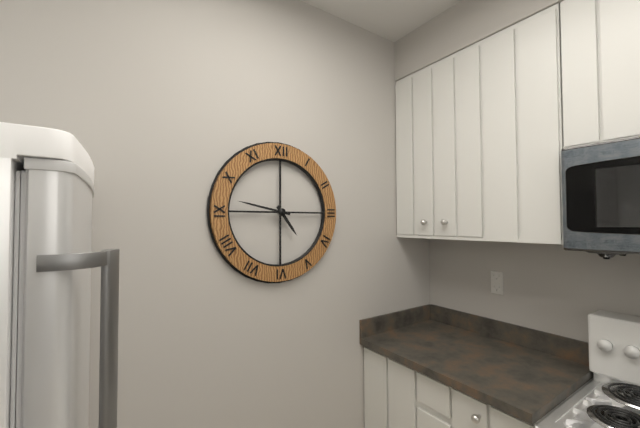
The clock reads **4:47**
